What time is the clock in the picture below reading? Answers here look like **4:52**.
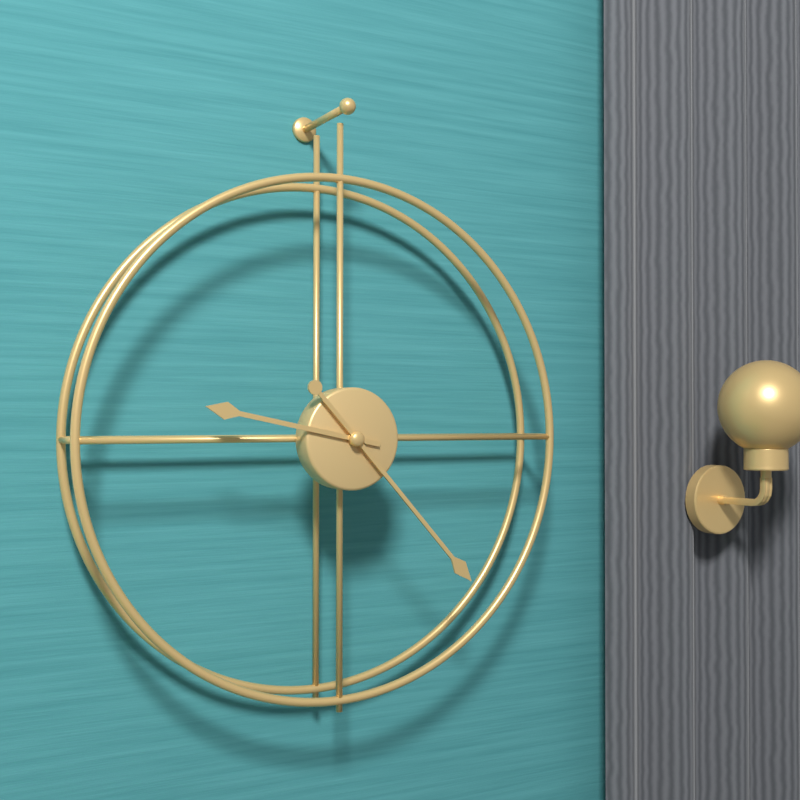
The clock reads **9:23**
